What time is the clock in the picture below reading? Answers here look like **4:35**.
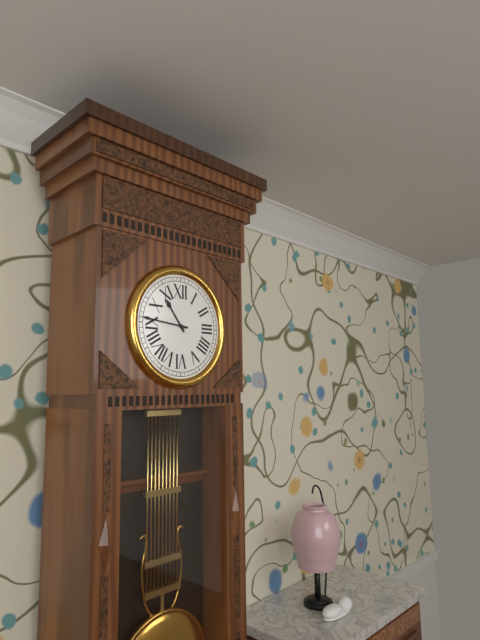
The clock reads **10:46**
